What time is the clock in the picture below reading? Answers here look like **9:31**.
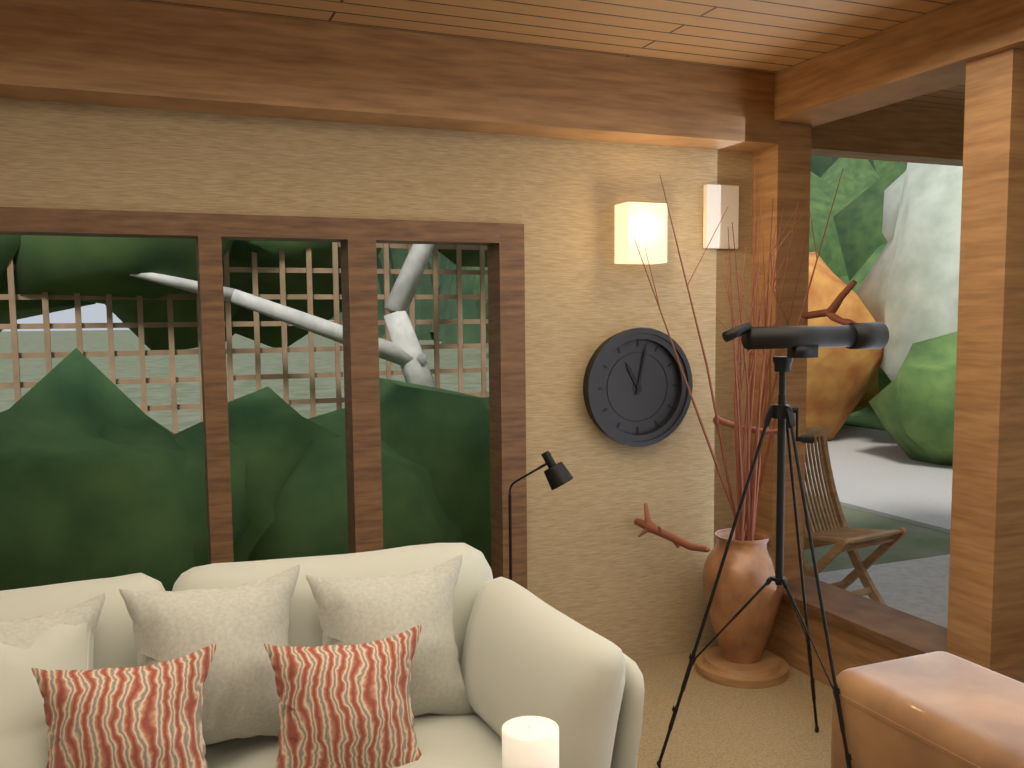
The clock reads **11:02**
